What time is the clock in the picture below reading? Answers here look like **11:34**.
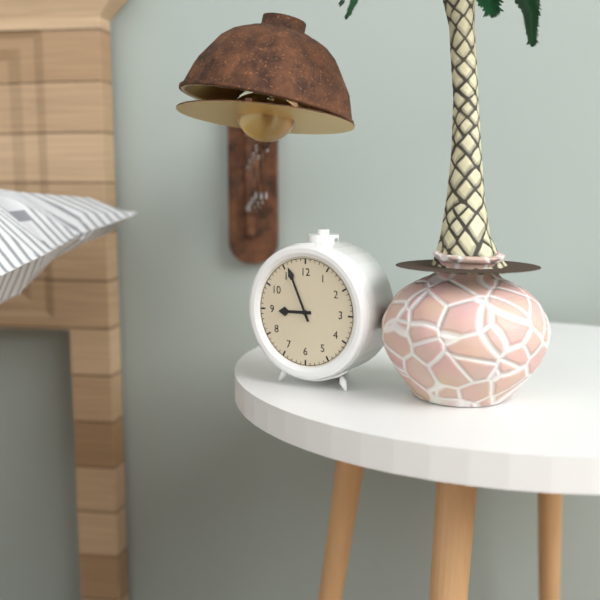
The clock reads **8:56**
